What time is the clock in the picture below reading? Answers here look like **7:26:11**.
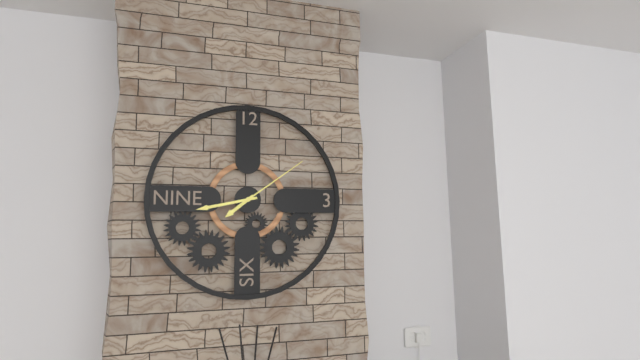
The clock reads **7:43:09**
